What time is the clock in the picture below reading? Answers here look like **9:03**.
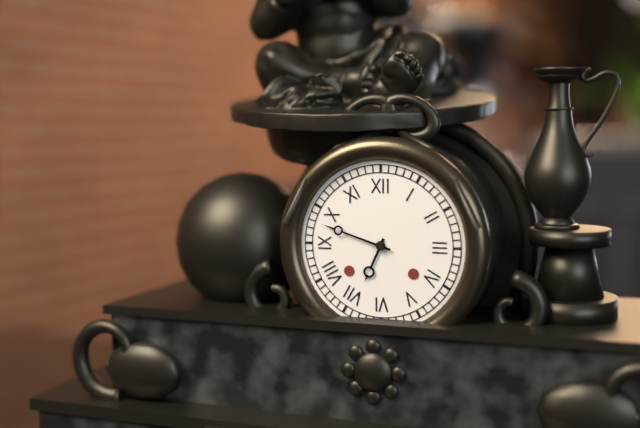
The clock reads **6:48**
